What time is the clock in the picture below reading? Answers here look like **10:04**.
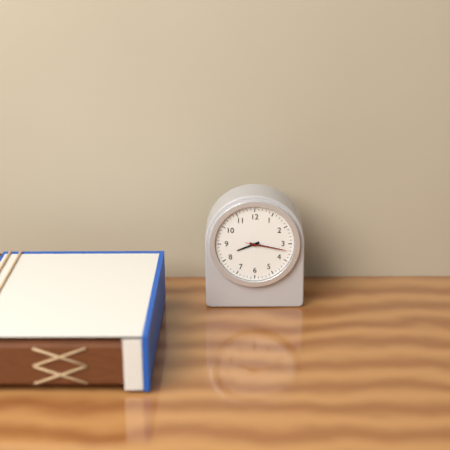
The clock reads **8:17**
